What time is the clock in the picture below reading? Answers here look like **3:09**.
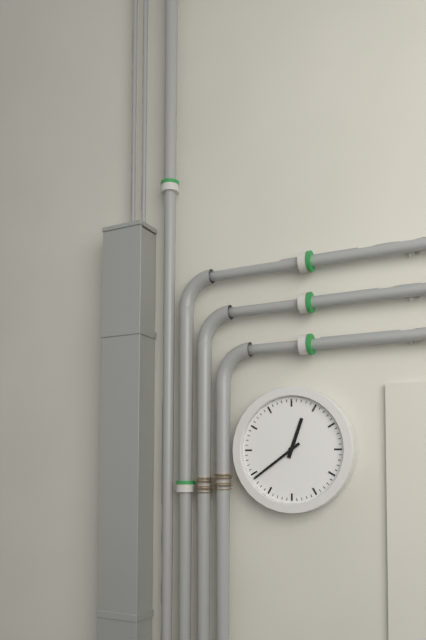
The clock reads **12:39**
